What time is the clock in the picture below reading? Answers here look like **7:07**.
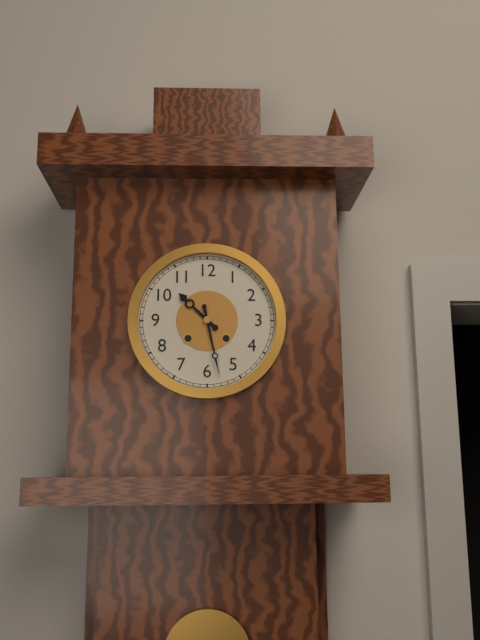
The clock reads **10:28**
